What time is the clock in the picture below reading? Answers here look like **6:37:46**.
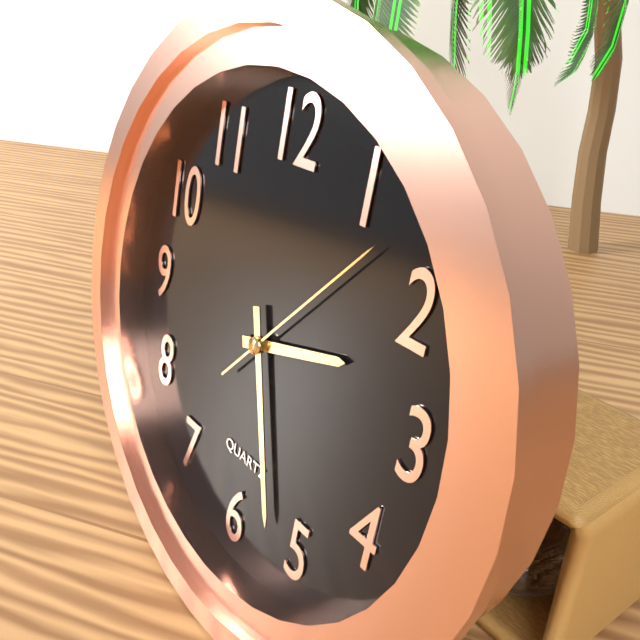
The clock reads **2:27:07**
